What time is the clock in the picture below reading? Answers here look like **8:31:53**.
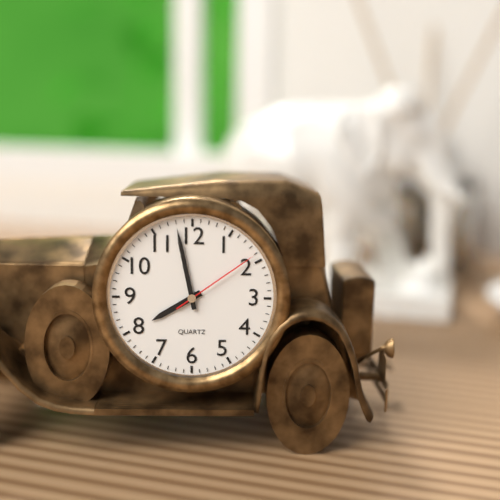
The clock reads **7:58:09**
